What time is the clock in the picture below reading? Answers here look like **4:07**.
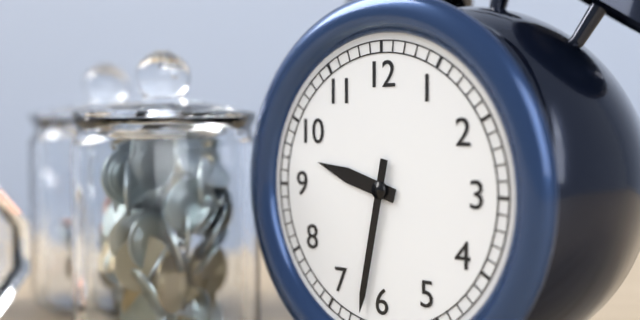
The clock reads **9:32**
